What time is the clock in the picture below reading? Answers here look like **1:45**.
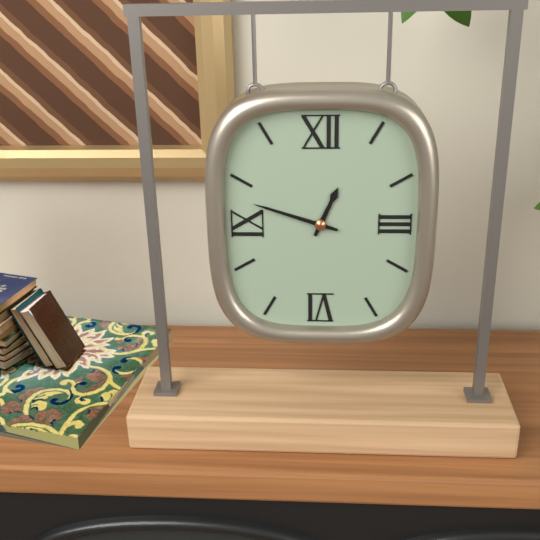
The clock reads **12:48**
